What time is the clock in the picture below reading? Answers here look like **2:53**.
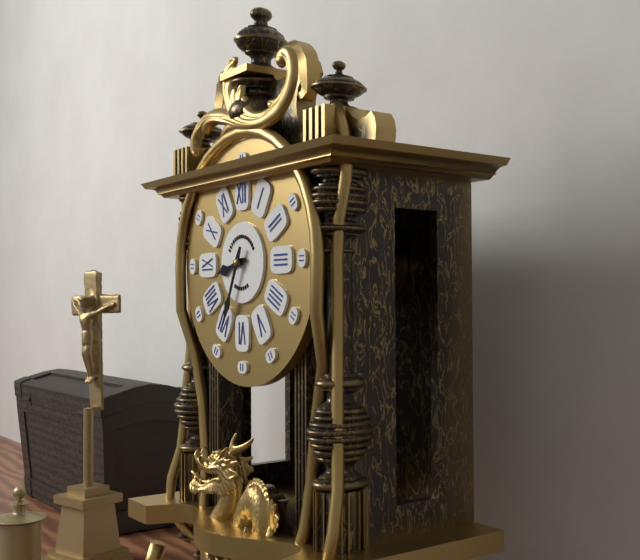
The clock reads **8:34**
